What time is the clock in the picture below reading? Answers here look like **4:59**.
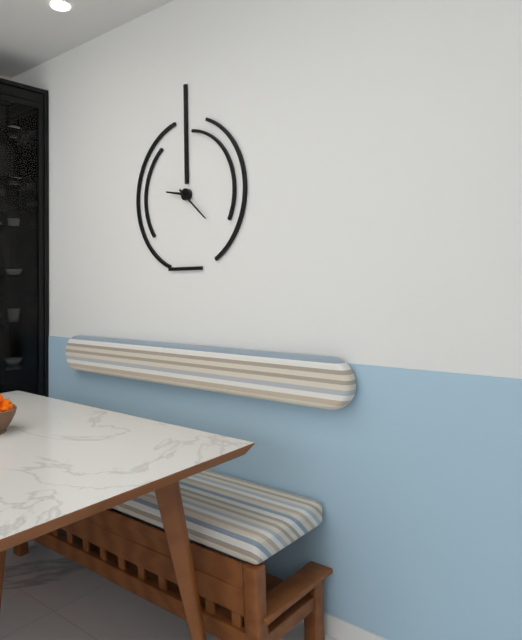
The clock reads **9:22**
